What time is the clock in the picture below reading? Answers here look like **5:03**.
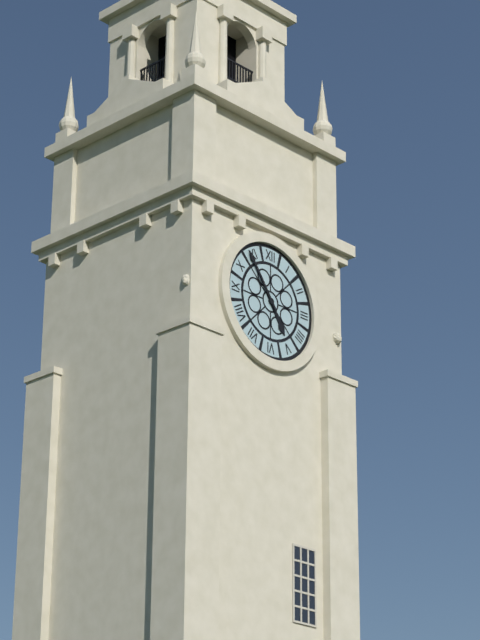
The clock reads **4:54**
